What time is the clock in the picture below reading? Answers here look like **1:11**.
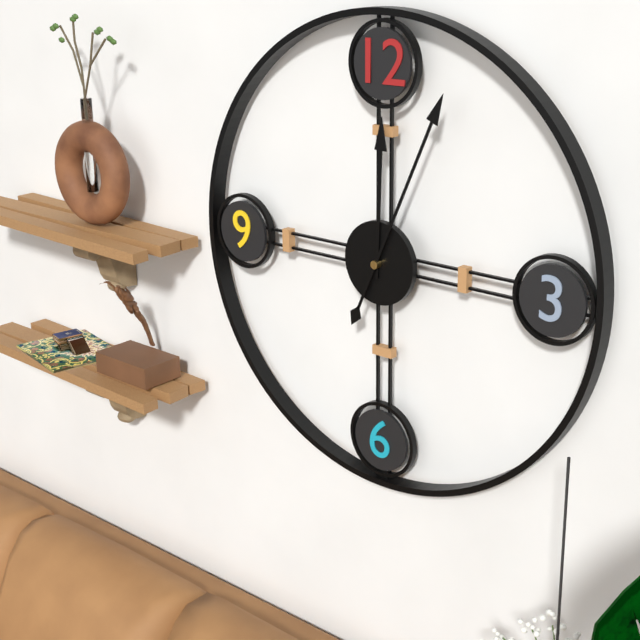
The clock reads **12:04**
